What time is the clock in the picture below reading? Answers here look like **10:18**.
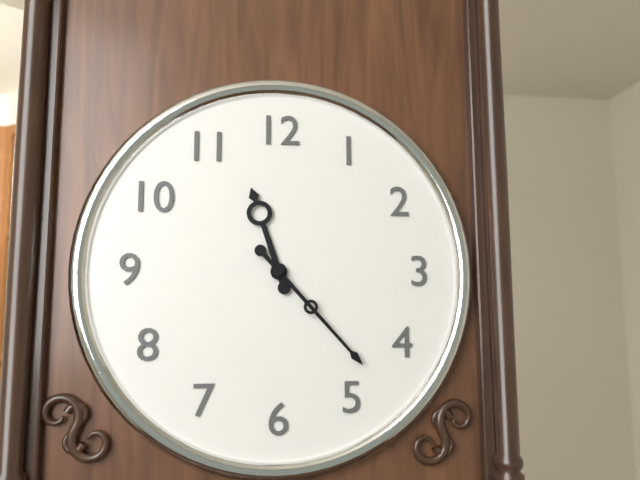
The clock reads **11:23**
